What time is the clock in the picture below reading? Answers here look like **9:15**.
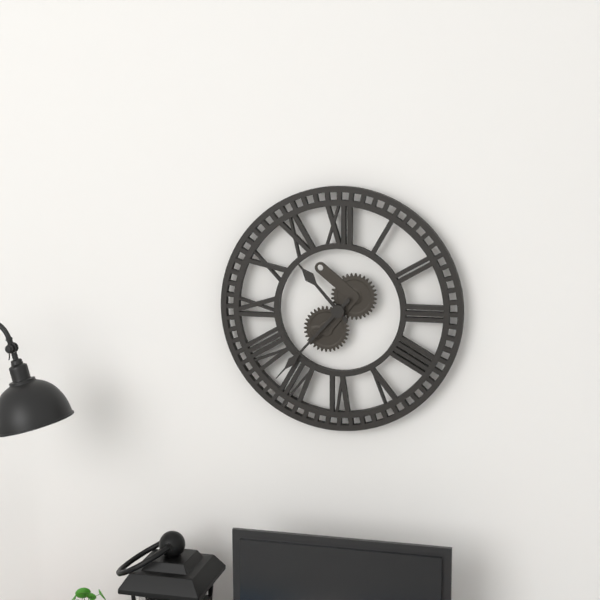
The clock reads **10:37**
